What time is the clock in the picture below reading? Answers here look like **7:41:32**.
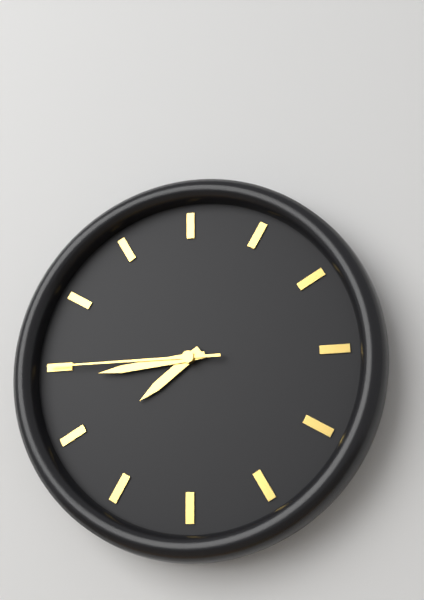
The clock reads **7:44:45**
